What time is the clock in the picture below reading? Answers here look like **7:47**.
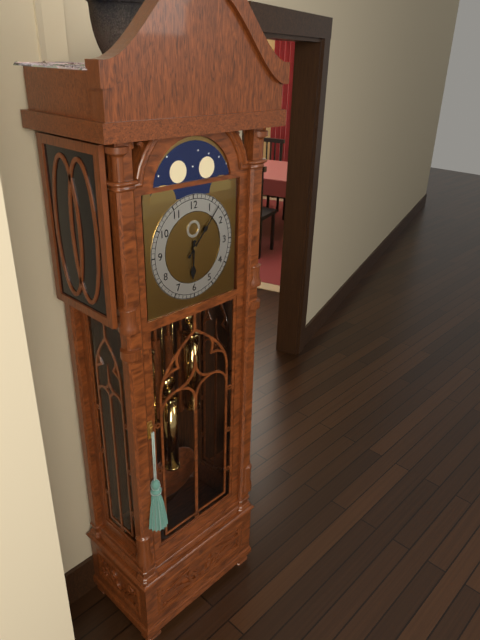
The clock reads **6:07**
